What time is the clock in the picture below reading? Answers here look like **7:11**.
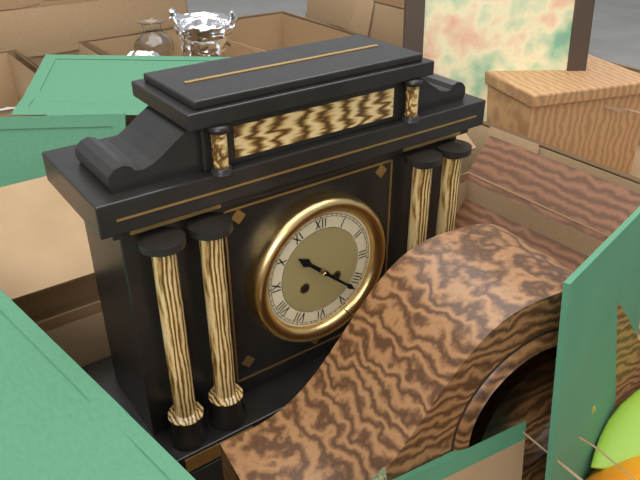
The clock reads **10:22**
